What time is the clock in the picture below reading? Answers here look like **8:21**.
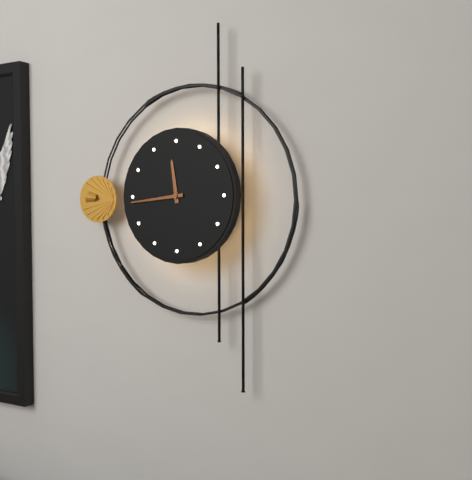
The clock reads **11:44**
